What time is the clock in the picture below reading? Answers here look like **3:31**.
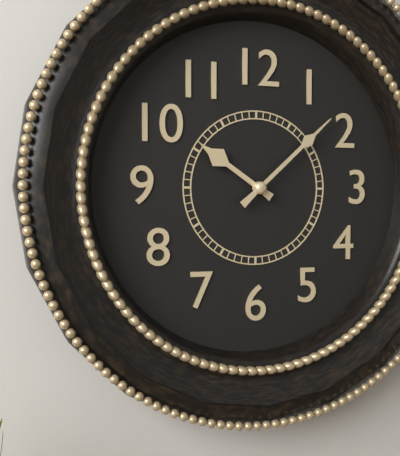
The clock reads **10:08**
